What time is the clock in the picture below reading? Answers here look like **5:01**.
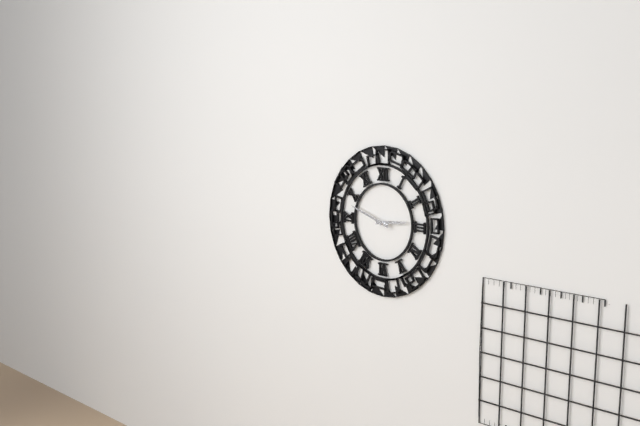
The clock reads **2:48**
